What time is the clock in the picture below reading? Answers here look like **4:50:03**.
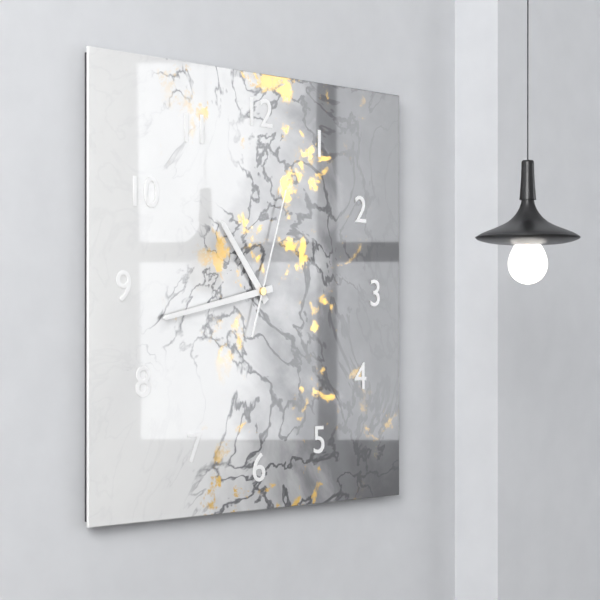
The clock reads **10:43:03**
